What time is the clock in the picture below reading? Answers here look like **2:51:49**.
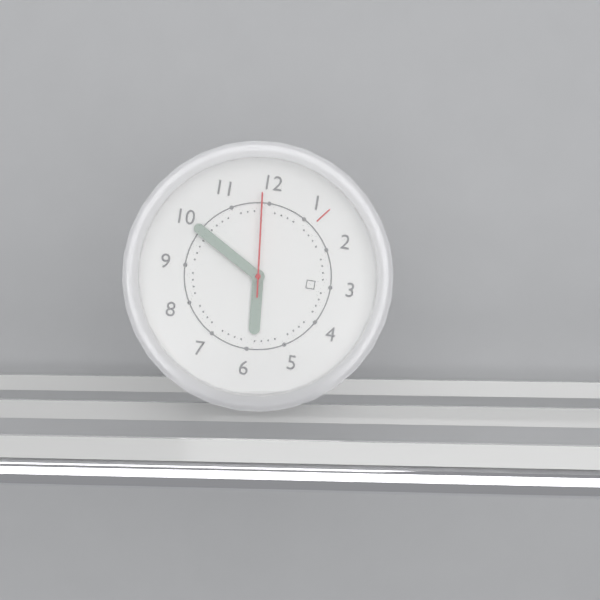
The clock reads **5:50:59**
